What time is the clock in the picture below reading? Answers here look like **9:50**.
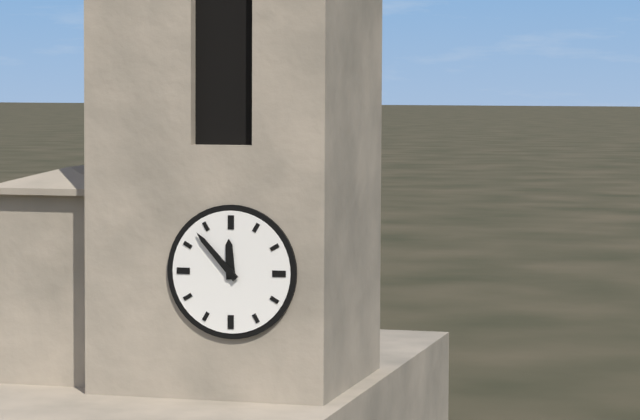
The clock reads **11:53**
